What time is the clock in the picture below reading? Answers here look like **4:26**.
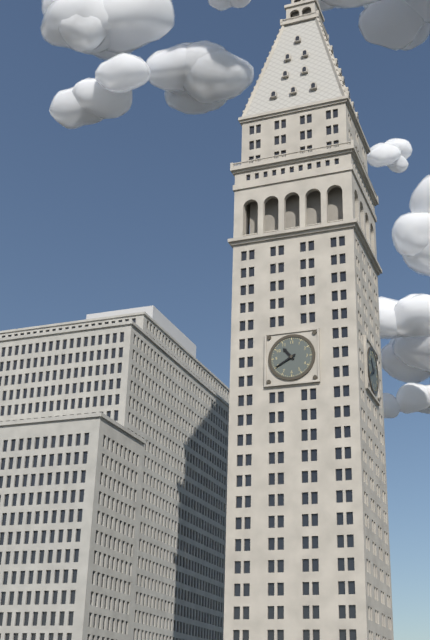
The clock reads **10:40**
